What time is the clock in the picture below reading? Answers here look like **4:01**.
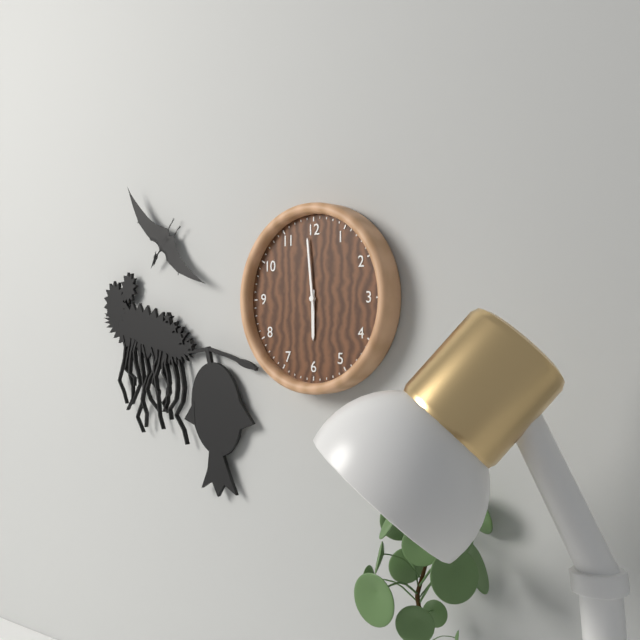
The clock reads **5:59**
